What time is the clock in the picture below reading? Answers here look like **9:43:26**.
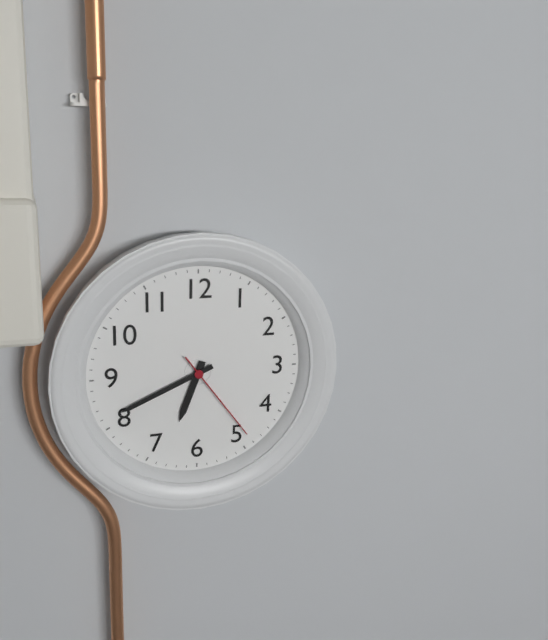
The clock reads **6:41:24**
